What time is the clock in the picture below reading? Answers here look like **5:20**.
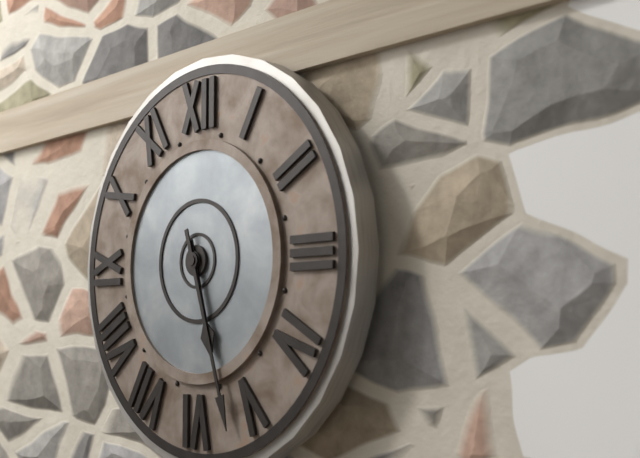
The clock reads **5:27**
